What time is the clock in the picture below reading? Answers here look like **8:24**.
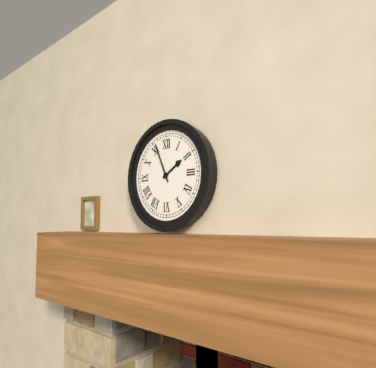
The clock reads **1:56**
